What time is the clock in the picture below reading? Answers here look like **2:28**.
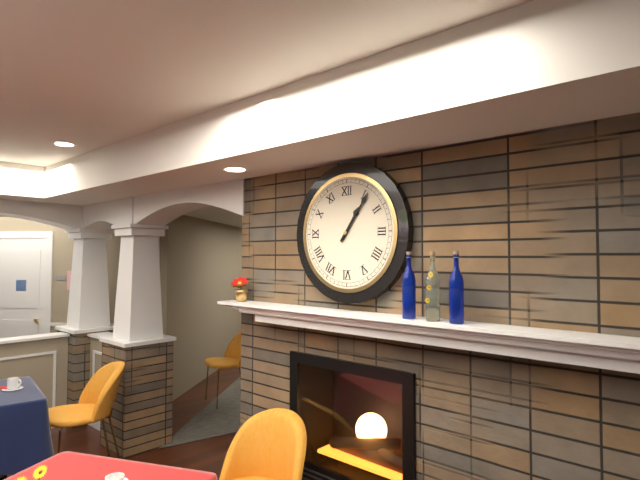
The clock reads **1:06**
